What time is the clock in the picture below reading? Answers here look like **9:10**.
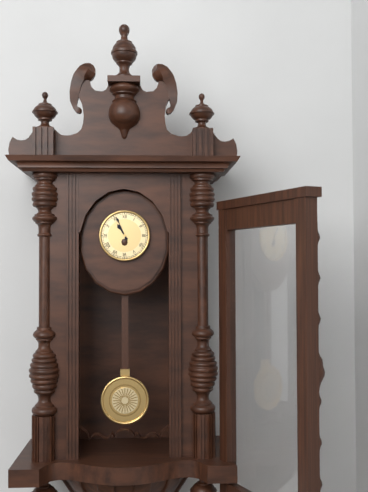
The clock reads **10:56**
